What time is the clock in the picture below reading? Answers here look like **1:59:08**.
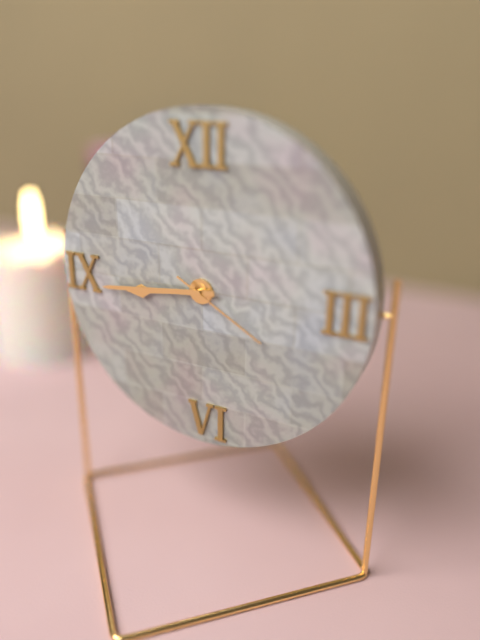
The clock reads **8:44:20**
